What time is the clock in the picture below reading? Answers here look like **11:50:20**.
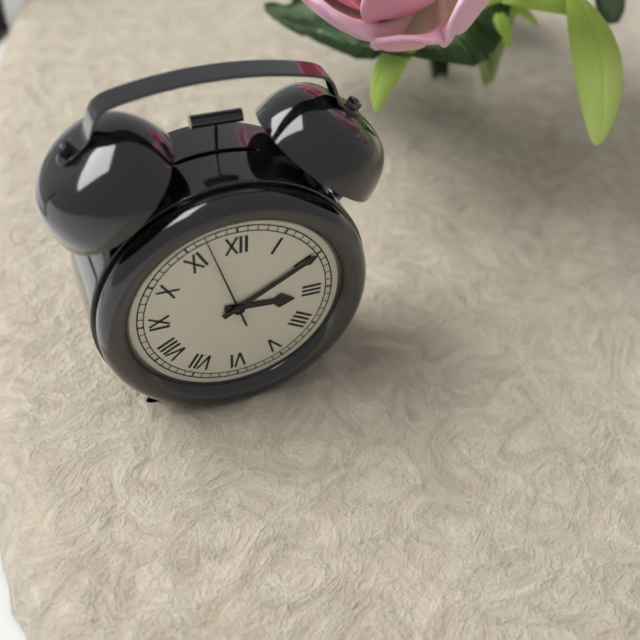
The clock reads **3:10:57**
